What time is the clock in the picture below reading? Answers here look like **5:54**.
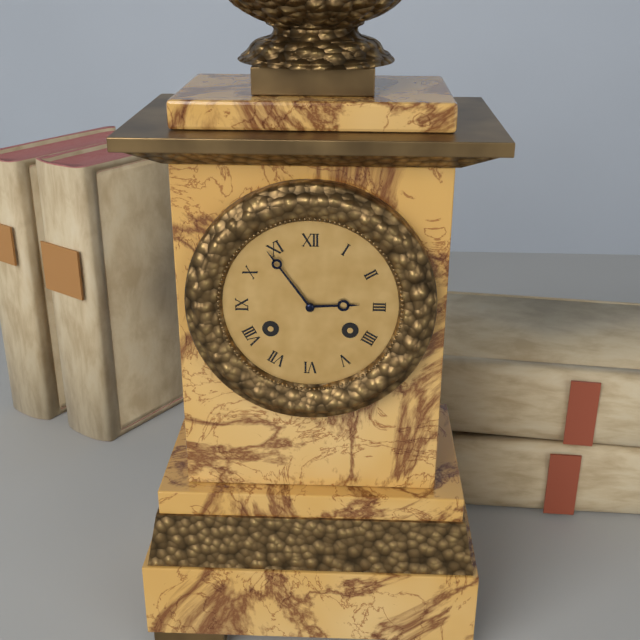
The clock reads **2:54**
